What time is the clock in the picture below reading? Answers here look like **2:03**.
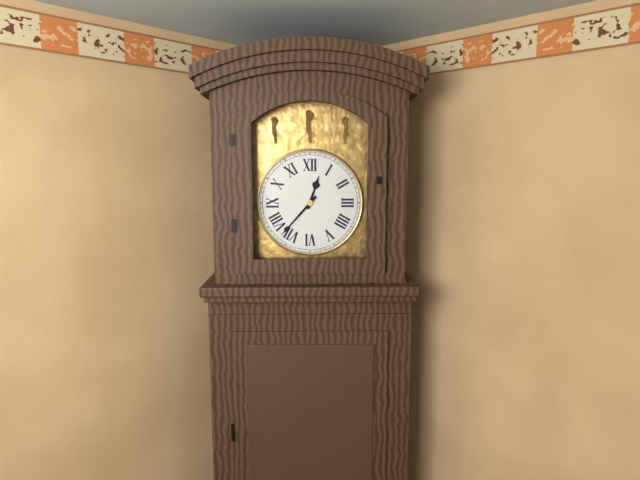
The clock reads **12:37**
